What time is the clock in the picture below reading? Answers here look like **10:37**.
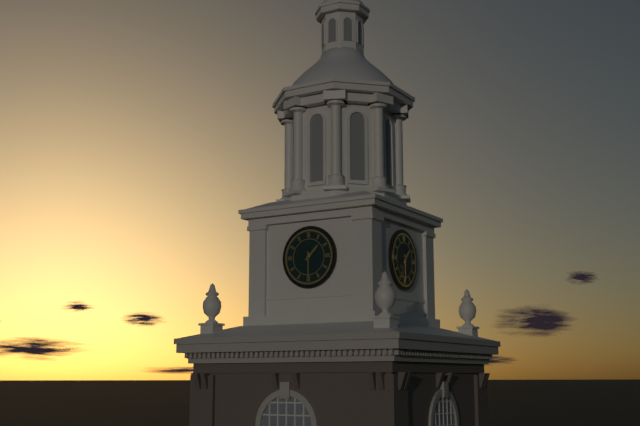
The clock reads **1:30**
